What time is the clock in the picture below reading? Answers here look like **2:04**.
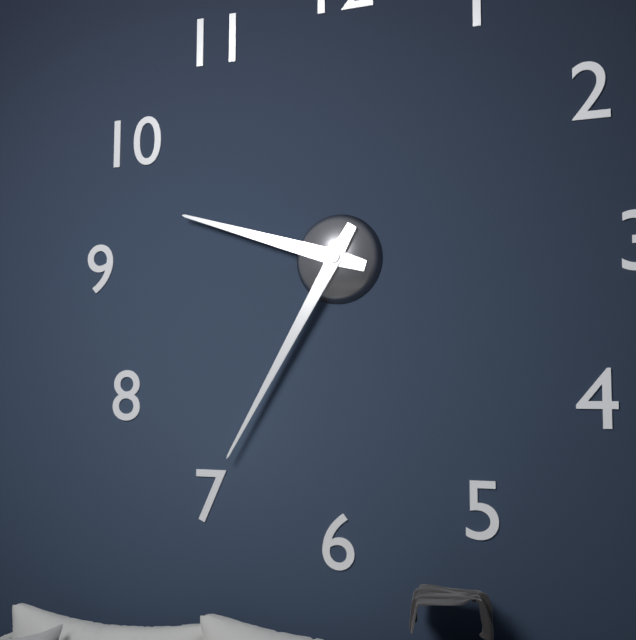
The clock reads **9:35**
